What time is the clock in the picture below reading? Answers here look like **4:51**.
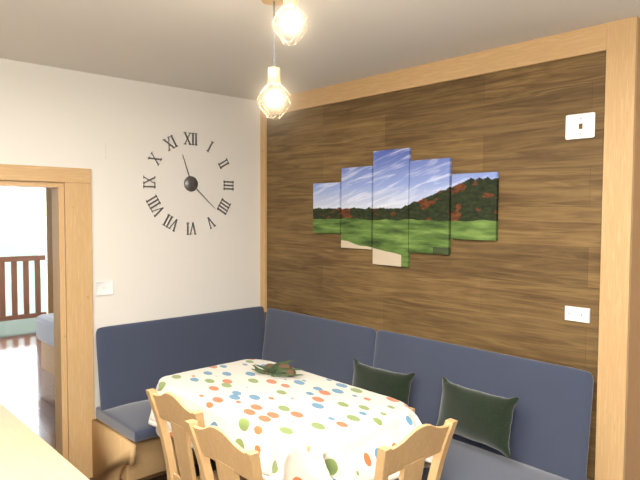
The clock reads **11:22**
